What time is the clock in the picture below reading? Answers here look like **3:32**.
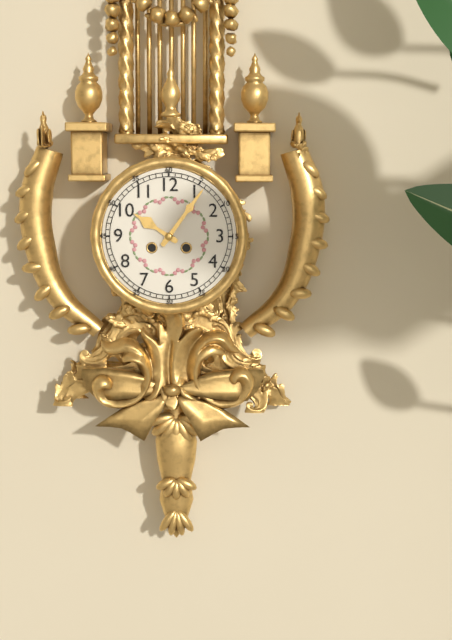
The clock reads **10:06**
